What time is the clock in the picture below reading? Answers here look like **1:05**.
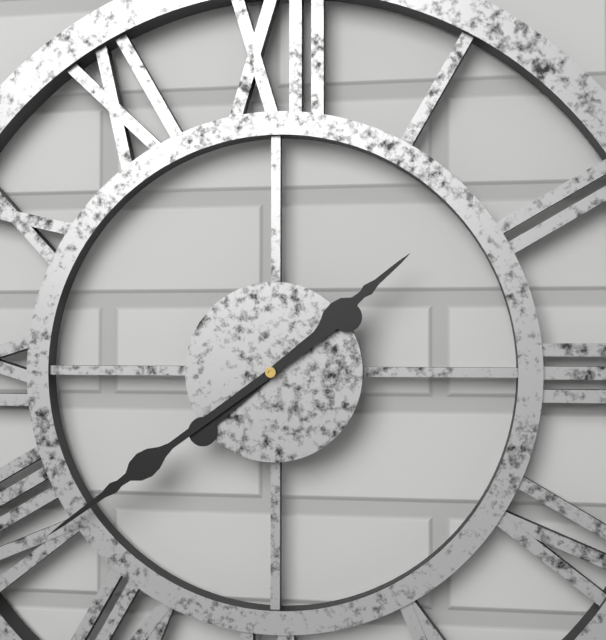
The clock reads **1:39**
